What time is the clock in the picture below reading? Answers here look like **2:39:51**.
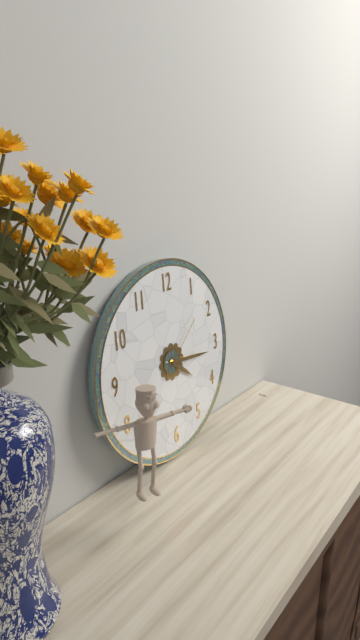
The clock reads **4:16:08**
